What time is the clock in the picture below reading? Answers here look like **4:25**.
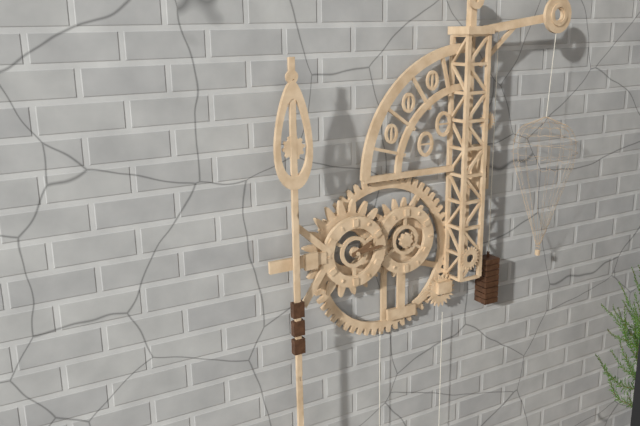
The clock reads **2:14**
